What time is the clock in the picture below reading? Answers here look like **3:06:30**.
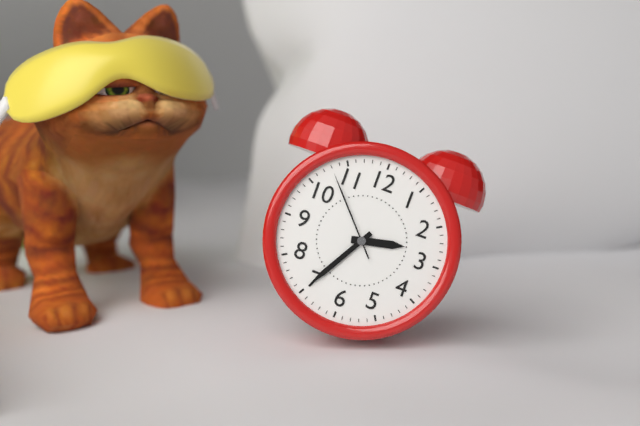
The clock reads **2:35:53**
